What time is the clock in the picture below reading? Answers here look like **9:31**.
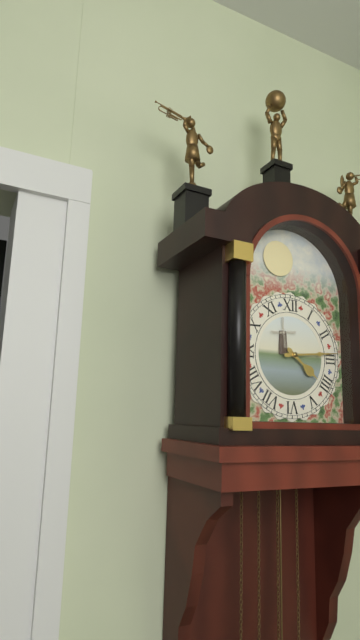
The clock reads **4:14**
